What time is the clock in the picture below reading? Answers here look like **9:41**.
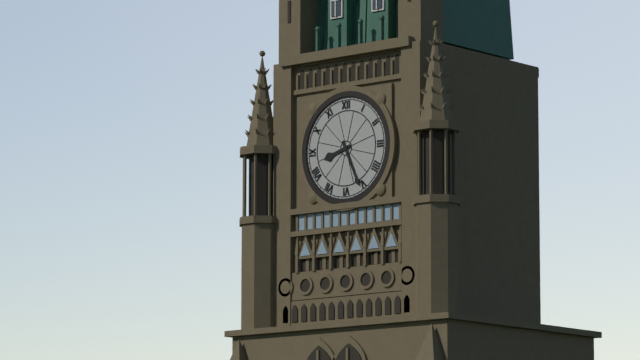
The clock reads **8:26**
